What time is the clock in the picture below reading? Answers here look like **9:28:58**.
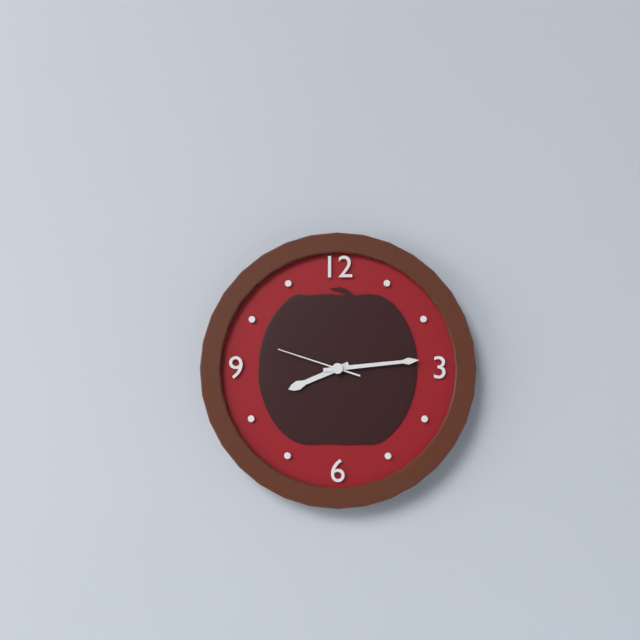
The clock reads **8:14:48**
